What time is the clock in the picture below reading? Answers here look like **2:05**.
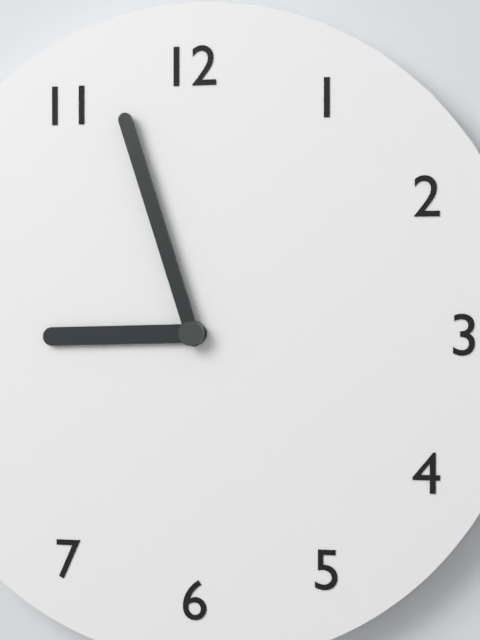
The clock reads **8:57**
